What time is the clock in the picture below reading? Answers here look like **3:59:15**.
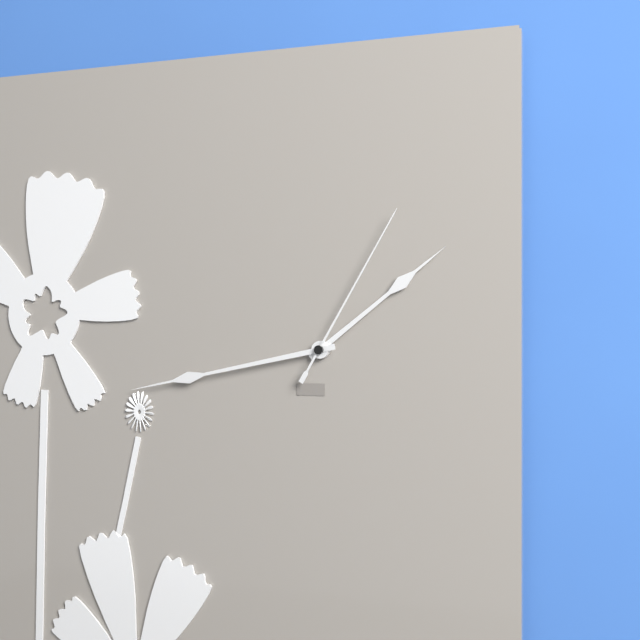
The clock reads **1:43:05**
